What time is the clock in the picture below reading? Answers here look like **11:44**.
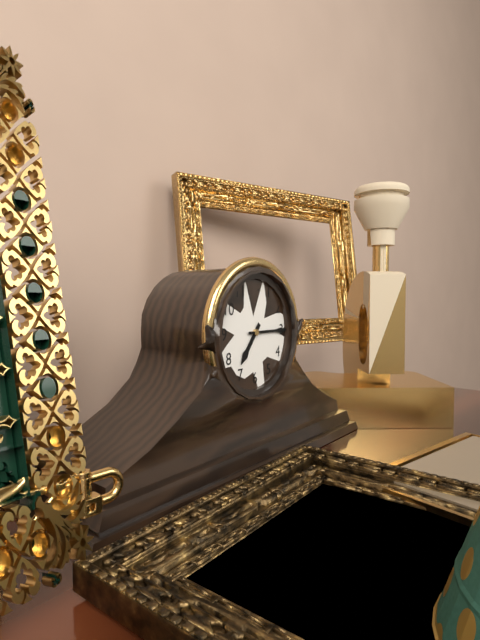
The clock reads **7:15**
